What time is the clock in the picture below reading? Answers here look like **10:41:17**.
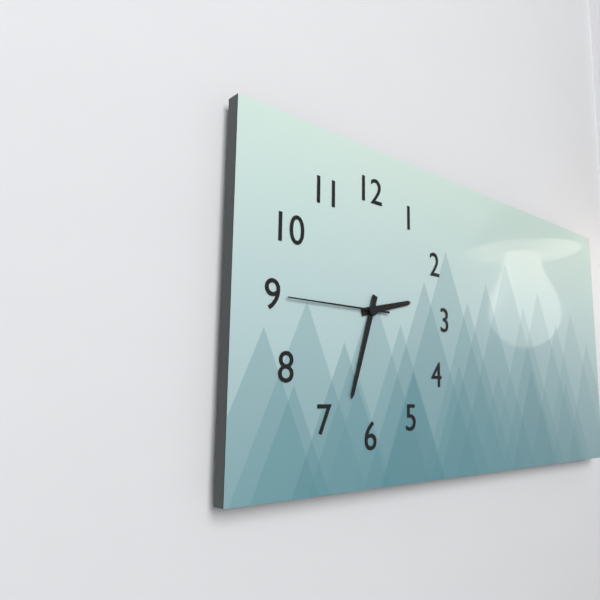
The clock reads **2:33:45**
